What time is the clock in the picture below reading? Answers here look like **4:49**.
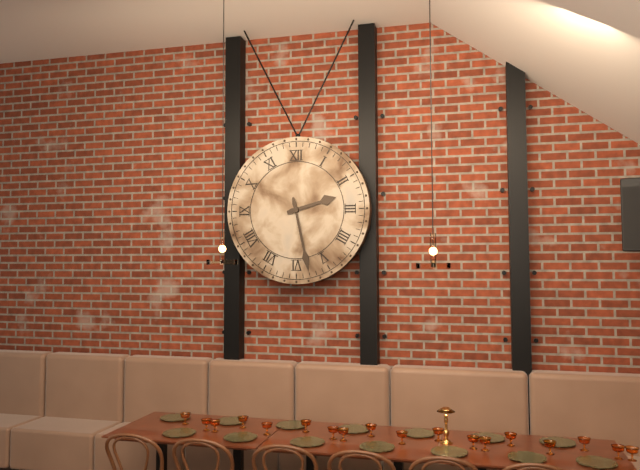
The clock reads **2:28**
